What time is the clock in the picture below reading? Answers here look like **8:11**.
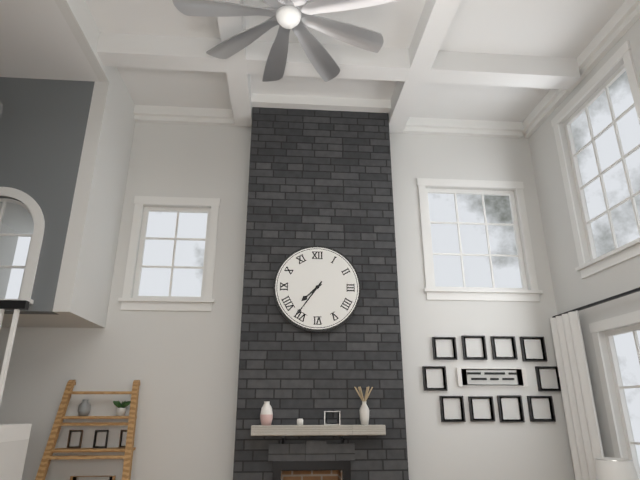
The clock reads **7:36**
